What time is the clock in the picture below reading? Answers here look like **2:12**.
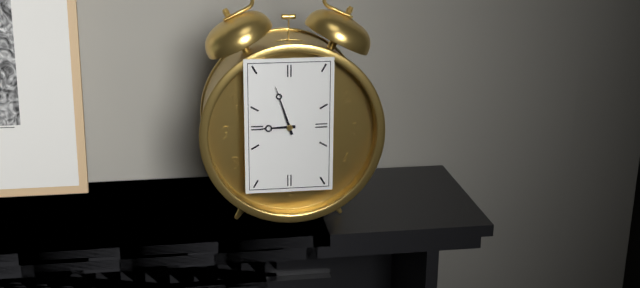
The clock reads **8:57**
